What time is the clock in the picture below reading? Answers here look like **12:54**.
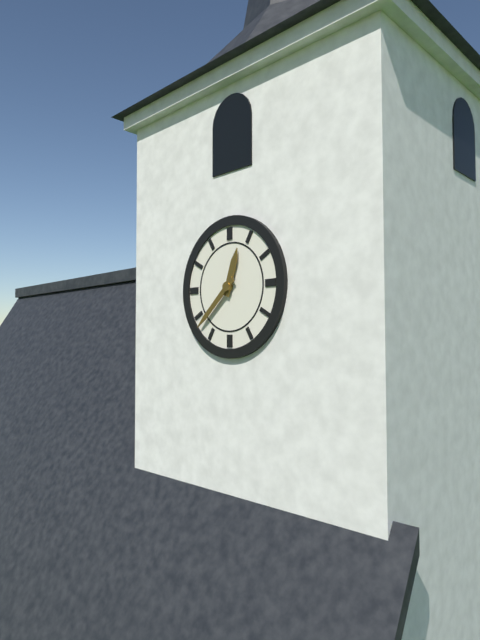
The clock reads **12:38**
